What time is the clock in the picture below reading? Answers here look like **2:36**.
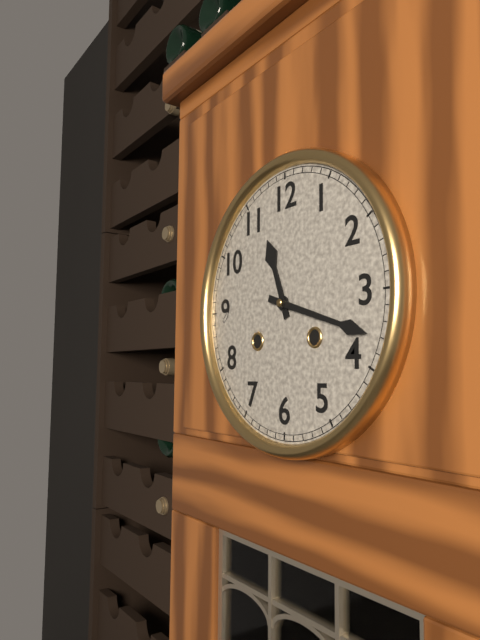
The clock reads **11:18**
